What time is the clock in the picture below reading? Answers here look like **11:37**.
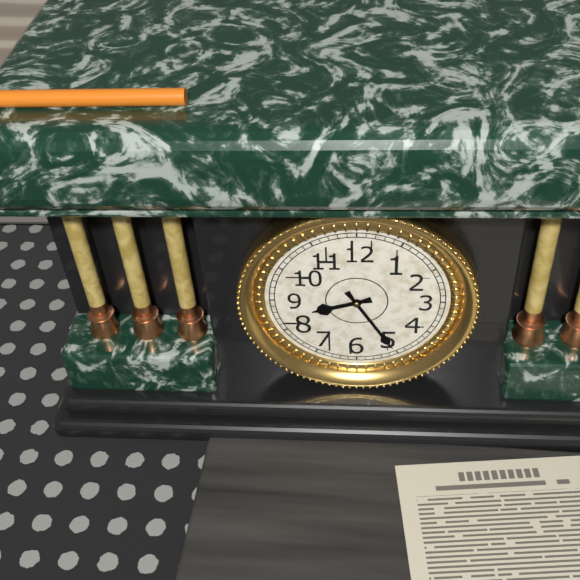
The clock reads **8:25**
